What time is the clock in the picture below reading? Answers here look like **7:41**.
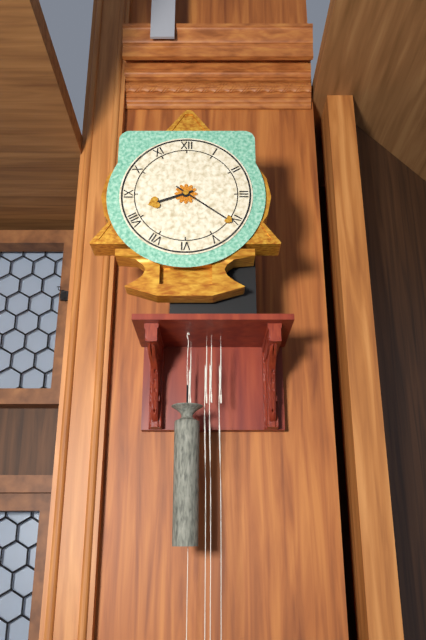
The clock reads **8:21**
